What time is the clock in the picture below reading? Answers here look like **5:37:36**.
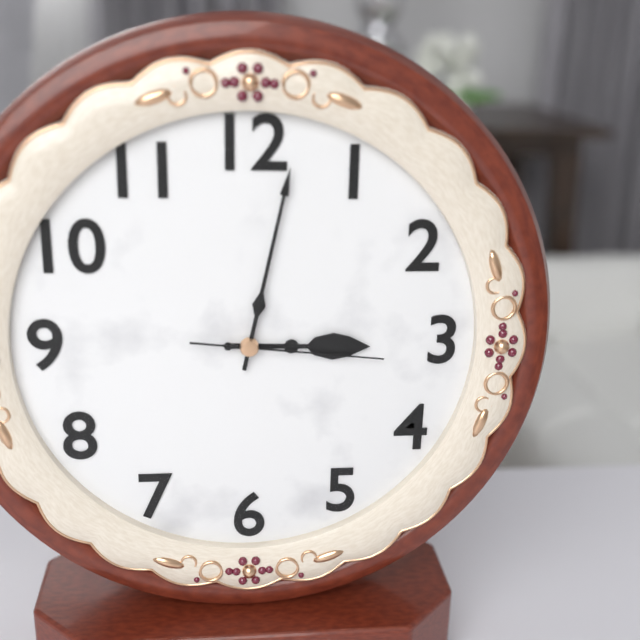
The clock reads **3:02:16**
